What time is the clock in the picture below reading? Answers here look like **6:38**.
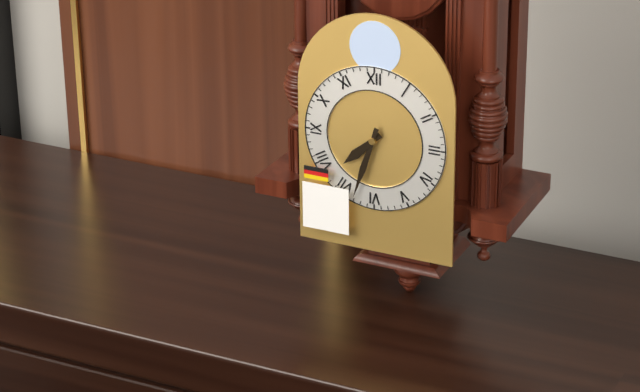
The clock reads **7:33**
